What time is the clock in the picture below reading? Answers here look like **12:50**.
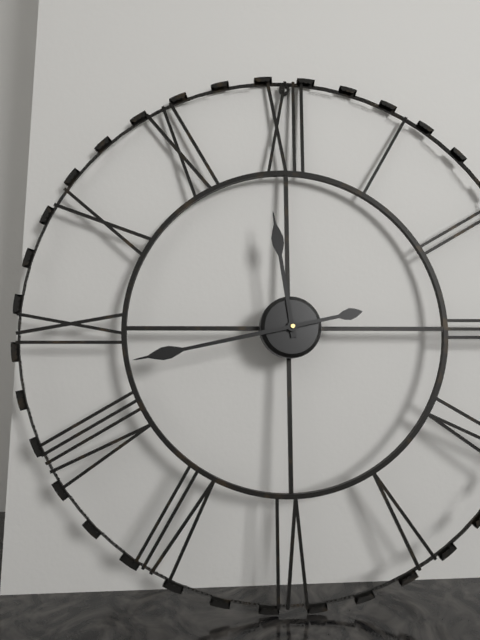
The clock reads **11:43**
